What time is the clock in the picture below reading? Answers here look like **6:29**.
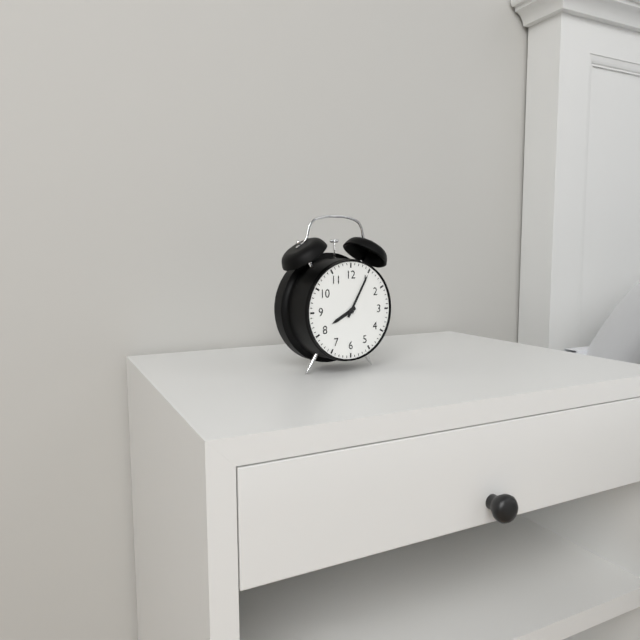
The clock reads **8:05**
